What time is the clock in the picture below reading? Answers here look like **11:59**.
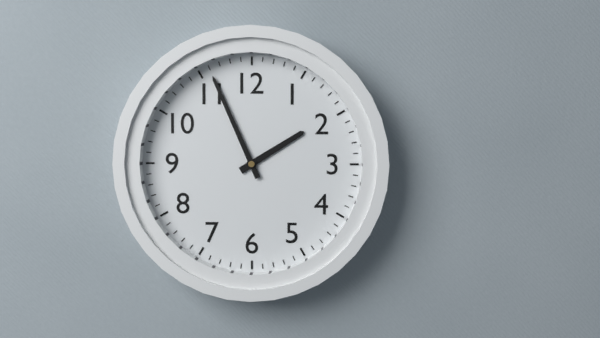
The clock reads **1:56**
